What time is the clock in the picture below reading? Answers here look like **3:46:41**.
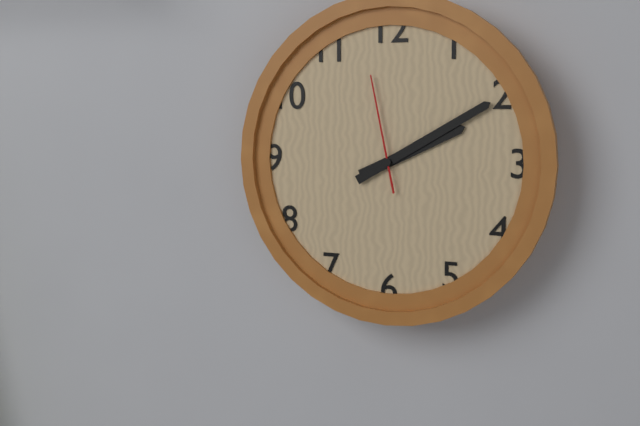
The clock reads **2:10:58**
